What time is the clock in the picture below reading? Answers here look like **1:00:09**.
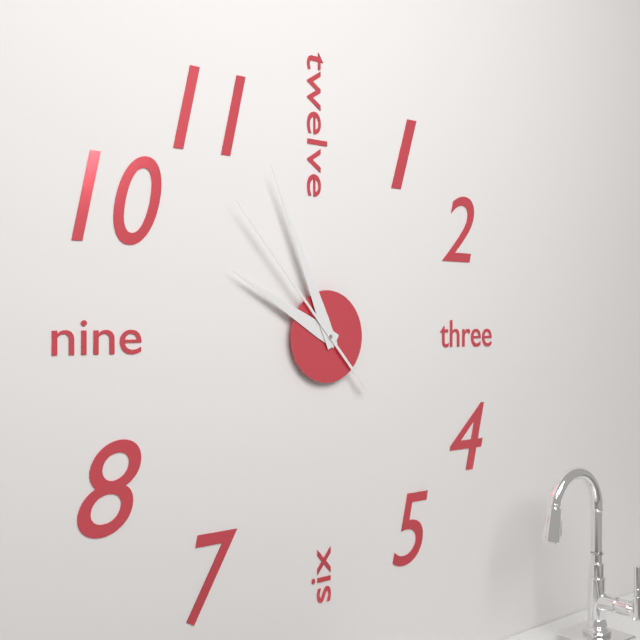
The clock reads **9:56:53**
